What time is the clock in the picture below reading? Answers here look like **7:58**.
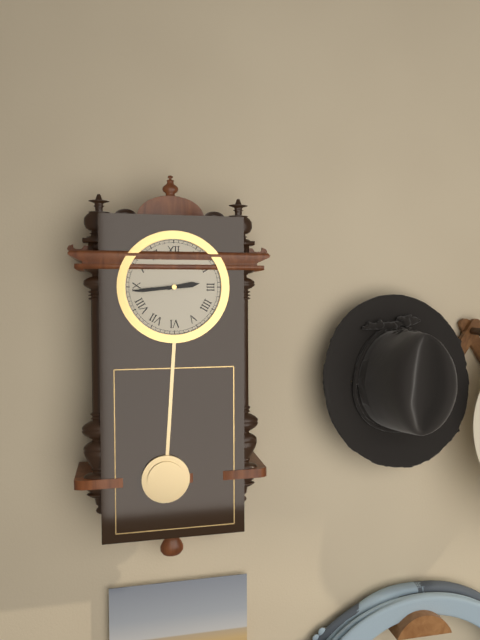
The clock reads **2:44**
